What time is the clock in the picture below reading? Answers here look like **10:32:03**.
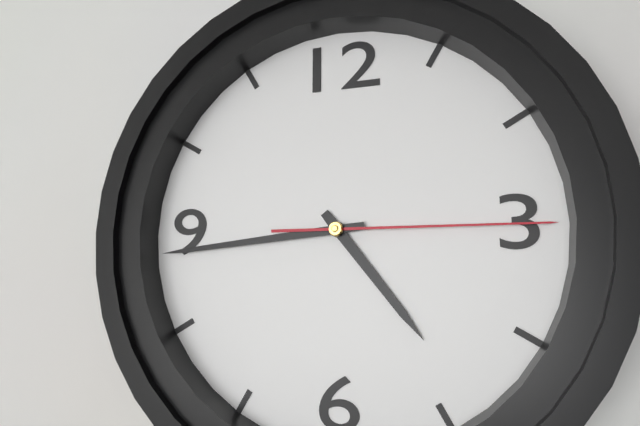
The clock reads **4:44:15**
